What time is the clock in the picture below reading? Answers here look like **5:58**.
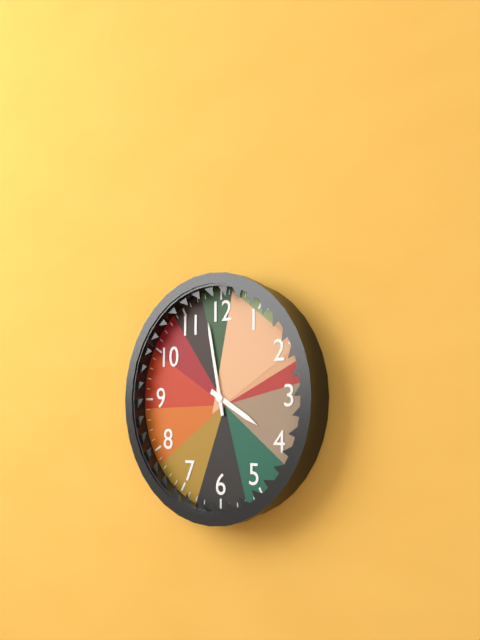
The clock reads **3:58**
